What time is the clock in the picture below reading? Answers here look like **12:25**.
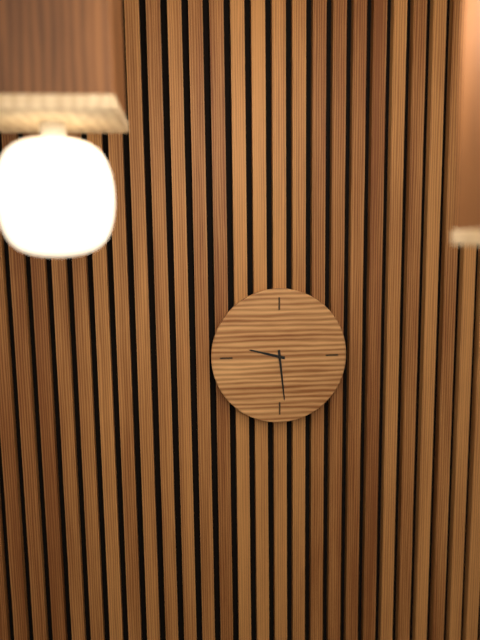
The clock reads **9:29**
